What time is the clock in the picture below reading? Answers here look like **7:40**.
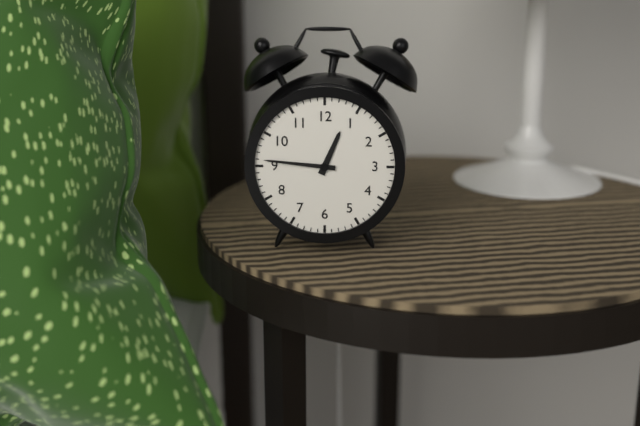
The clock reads **12:46**
